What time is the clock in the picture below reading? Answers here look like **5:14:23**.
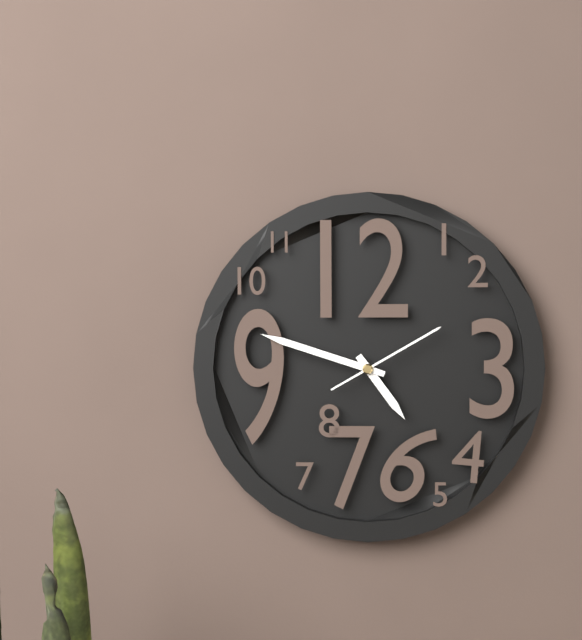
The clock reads **4:48:10**
